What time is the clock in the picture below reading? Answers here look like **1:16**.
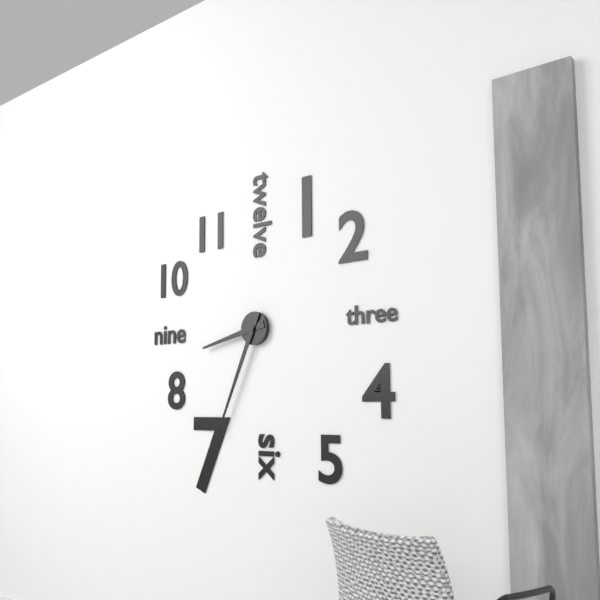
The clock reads **8:34**
